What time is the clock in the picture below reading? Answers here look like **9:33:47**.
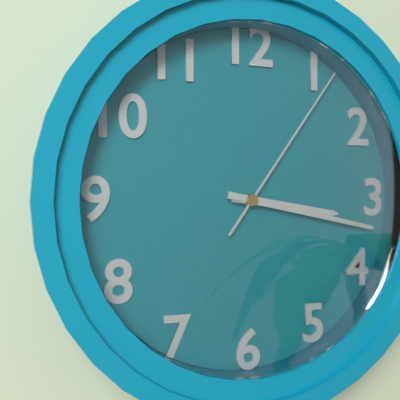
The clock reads **3:17:06**
